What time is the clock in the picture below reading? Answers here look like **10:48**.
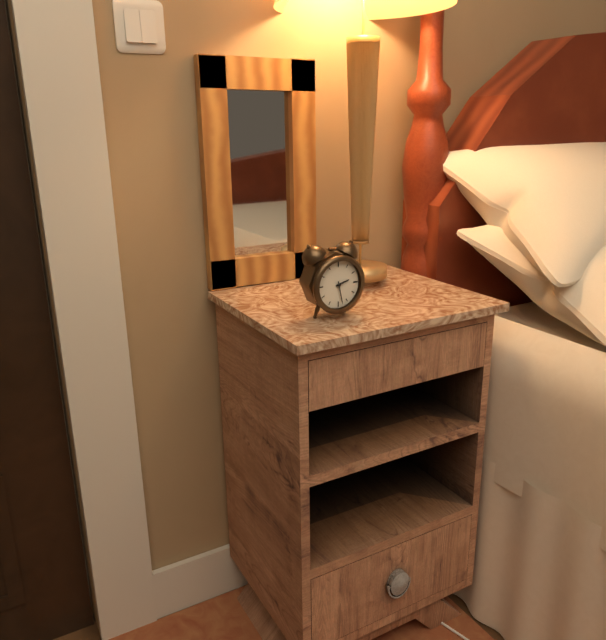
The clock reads **2:28**
